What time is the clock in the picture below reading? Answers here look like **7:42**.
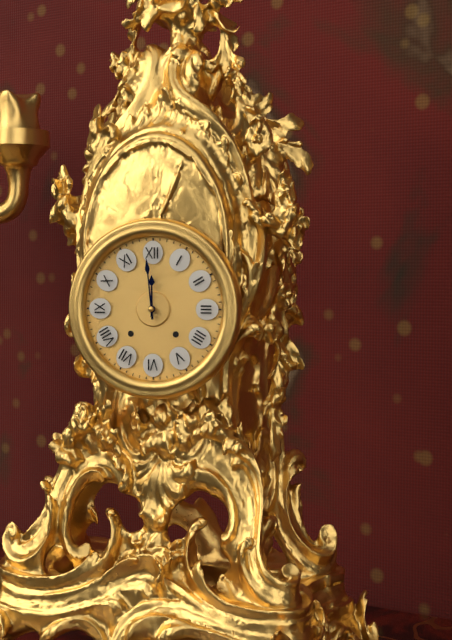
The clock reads **11:59**
